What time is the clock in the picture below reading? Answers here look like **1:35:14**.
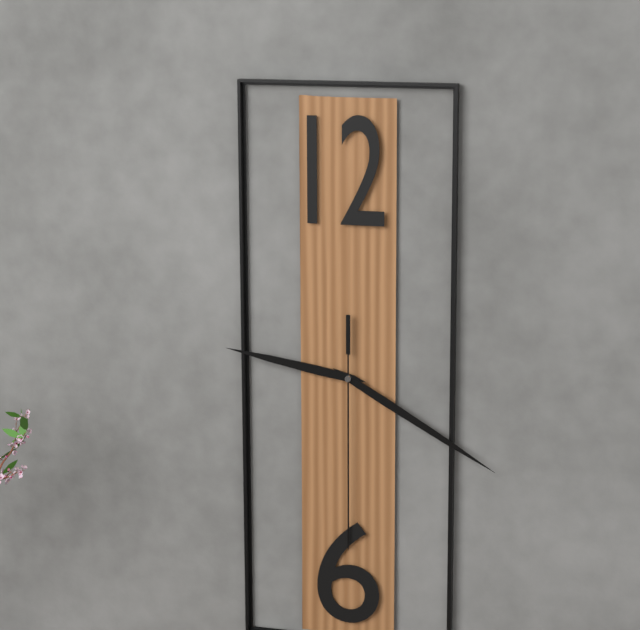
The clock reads **9:20:30**
